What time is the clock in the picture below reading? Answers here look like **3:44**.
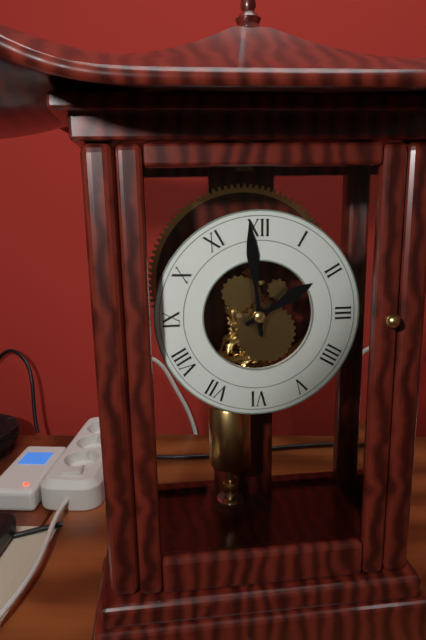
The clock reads **1:59**
